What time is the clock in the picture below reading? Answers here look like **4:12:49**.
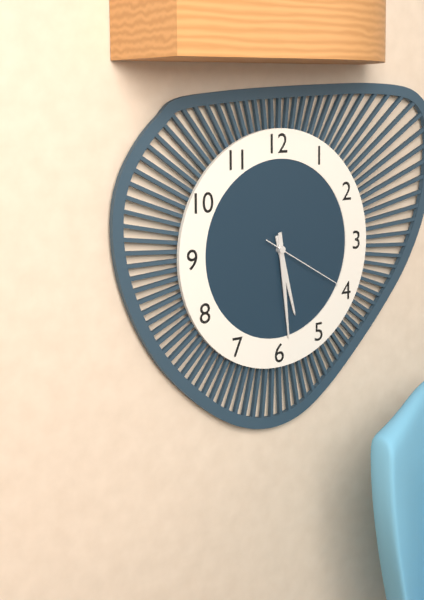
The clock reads **5:29:20**
